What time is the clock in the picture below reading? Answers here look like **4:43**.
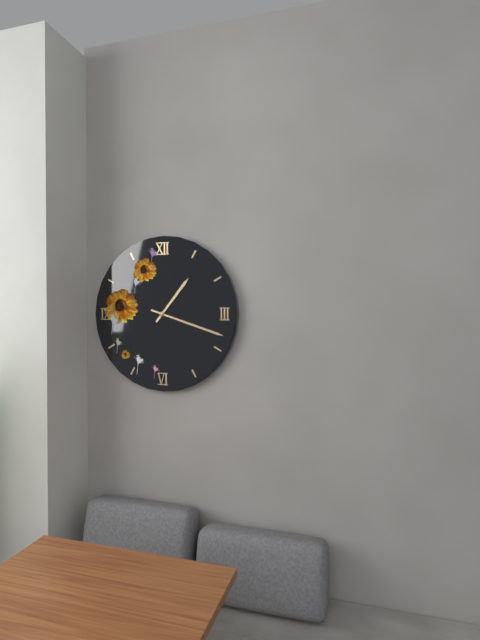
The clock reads **1:18**
